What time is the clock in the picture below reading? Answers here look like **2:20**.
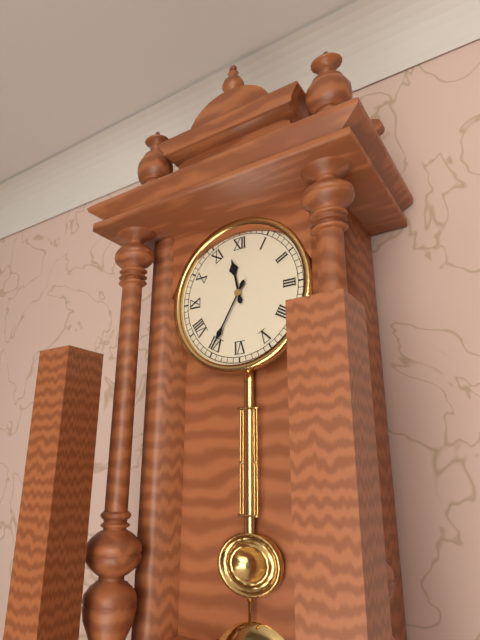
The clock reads **11:35**
